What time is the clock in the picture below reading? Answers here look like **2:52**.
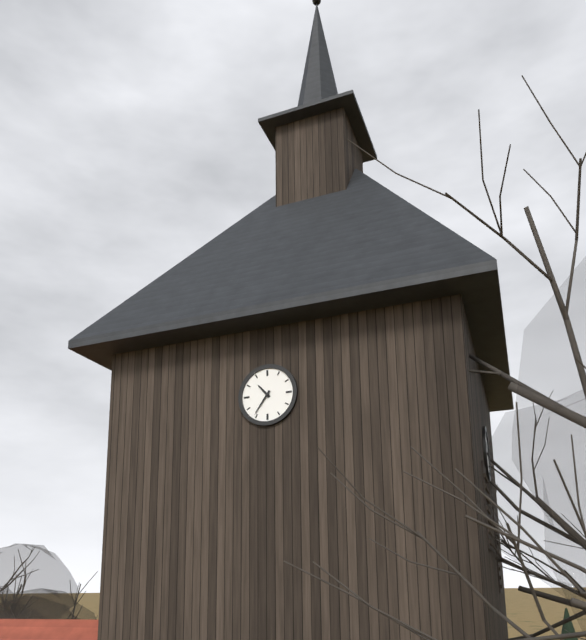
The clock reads **10:36**
